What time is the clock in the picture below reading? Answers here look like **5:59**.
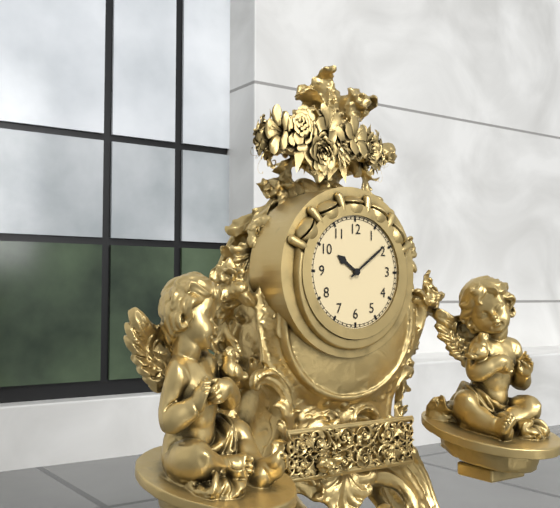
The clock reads **10:09**
